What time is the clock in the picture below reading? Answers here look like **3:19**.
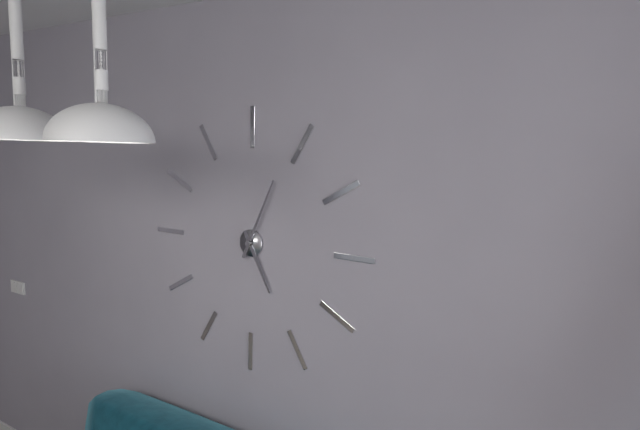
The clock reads **5:04**
